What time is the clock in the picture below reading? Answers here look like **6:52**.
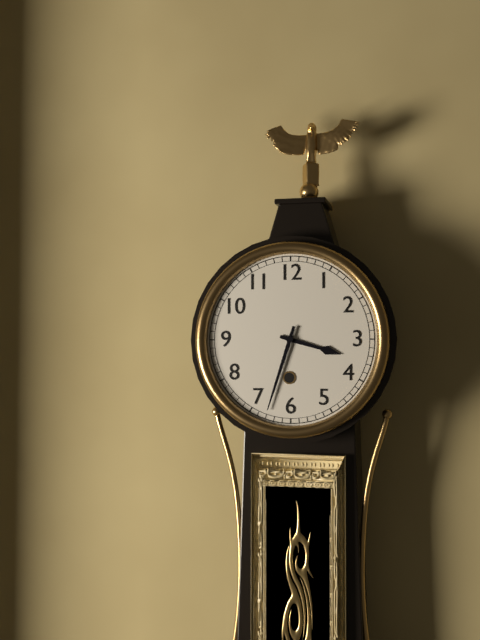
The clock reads **3:33**
